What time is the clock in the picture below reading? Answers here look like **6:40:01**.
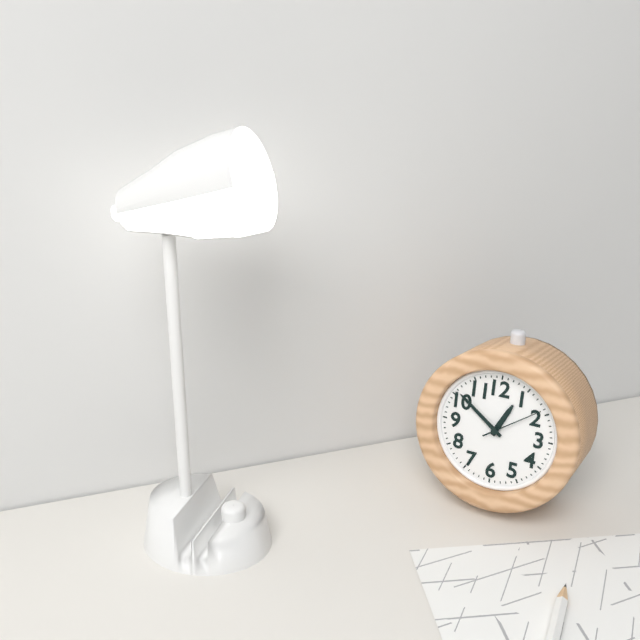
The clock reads **12:51:09**
